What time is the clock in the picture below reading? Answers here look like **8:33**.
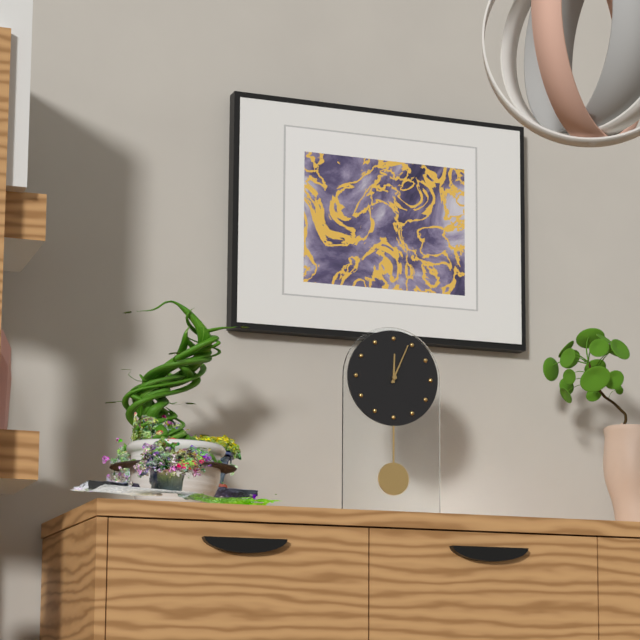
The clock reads **12:04**
